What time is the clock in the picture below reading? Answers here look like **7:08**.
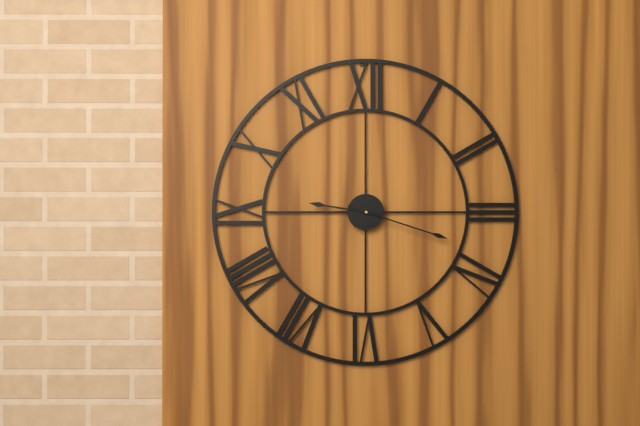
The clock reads **9:18**
